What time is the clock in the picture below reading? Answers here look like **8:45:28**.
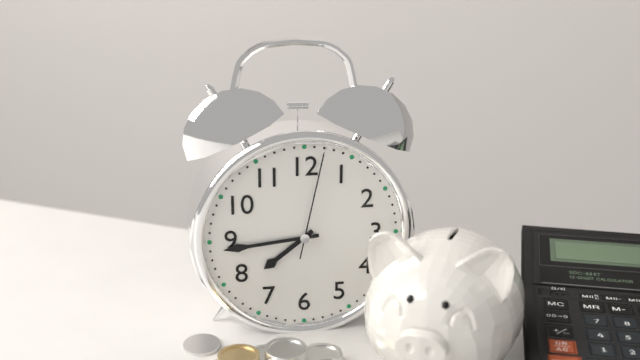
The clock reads **7:44:02**
